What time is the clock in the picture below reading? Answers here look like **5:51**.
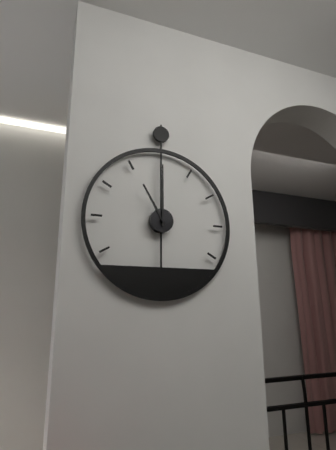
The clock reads **11:00**
